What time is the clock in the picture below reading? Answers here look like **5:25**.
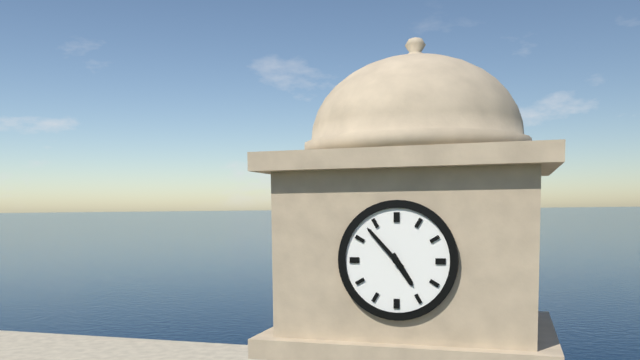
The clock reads **4:53**
